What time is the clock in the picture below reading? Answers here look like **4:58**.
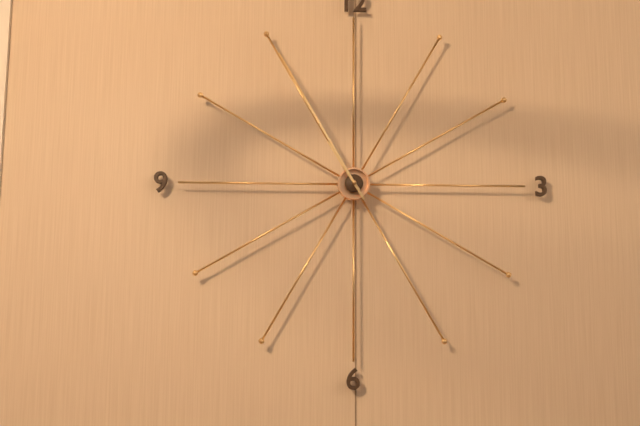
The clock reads **10:55**
